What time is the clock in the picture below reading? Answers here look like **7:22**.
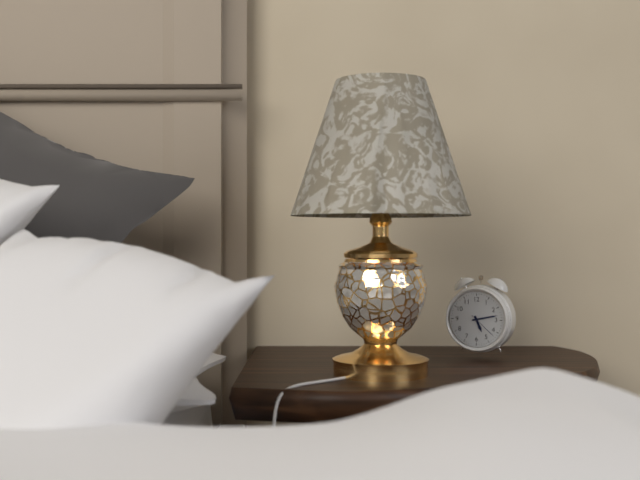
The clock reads **5:13**
